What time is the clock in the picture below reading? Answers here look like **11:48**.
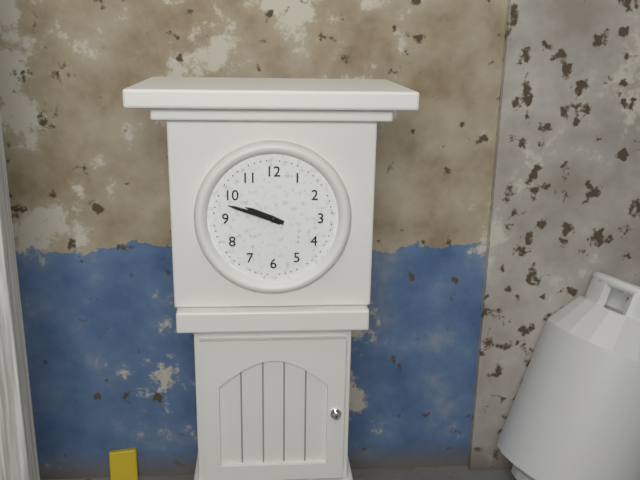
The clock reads **9:48**
